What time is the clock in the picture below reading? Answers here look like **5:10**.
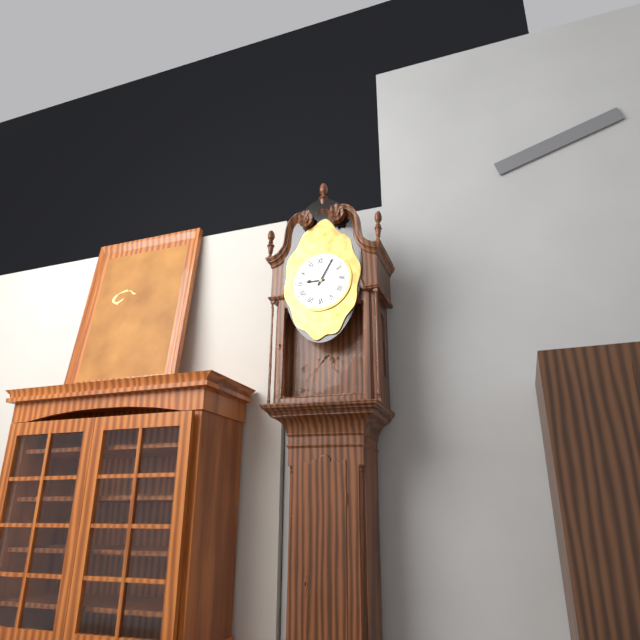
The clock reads **9:05**
